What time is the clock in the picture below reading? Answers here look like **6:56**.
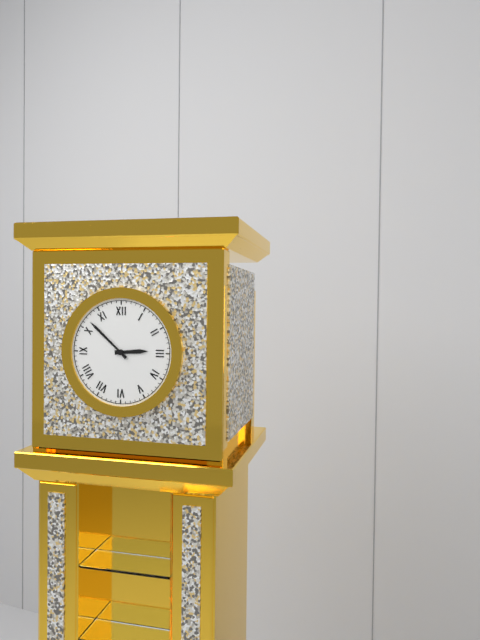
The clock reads **2:52**
